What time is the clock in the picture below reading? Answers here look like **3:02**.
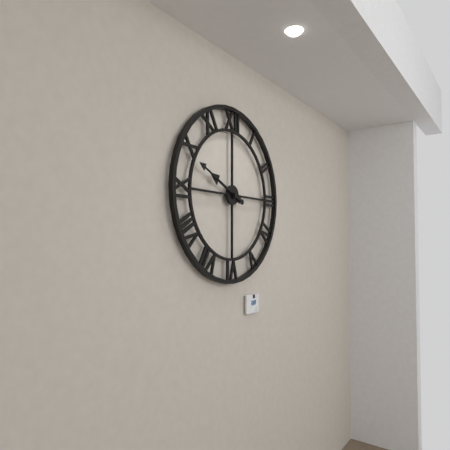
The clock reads **9:49**
